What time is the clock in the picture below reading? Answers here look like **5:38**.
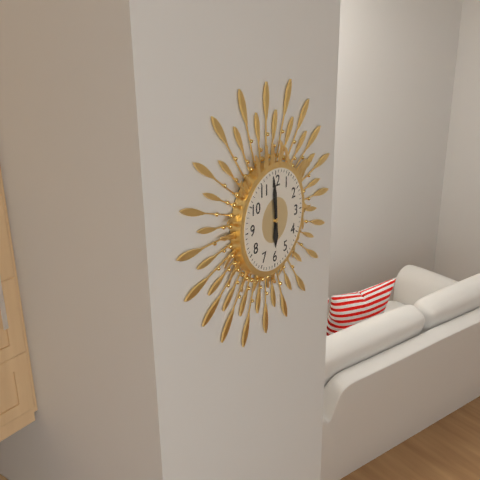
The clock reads **5:59**
